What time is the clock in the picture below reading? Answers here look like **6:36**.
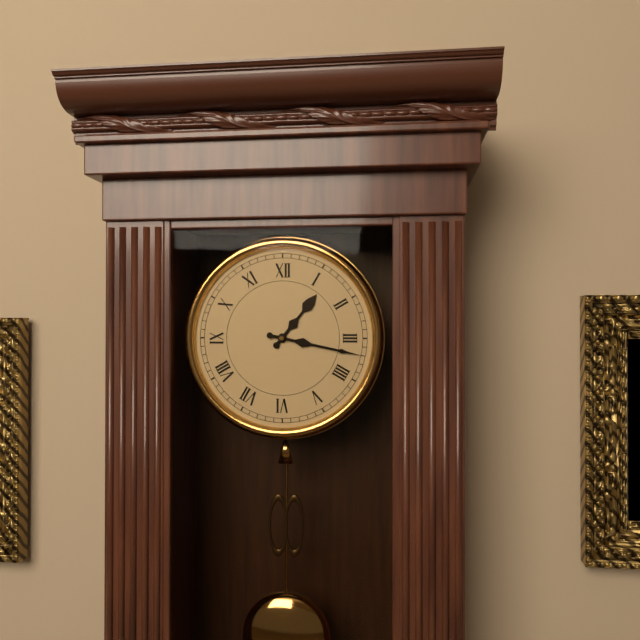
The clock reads **1:17**
